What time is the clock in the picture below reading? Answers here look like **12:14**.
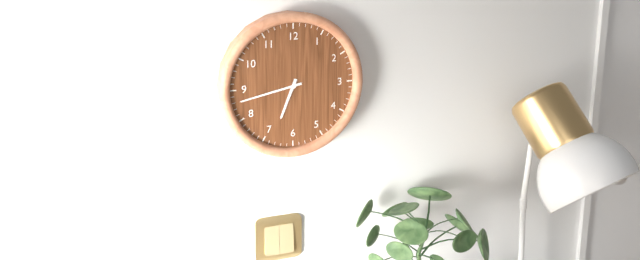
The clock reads **6:43**
